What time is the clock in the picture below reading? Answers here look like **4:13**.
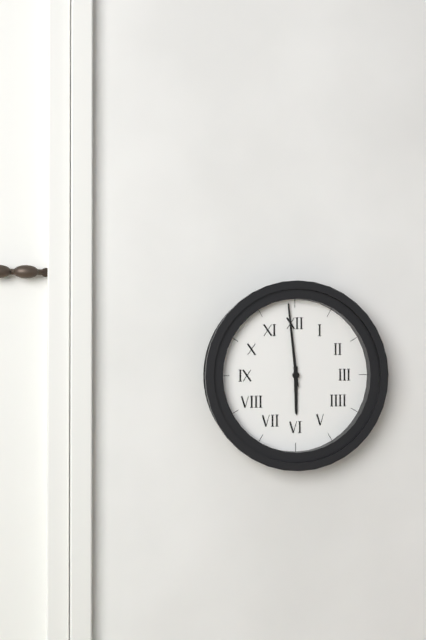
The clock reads **5:59**
